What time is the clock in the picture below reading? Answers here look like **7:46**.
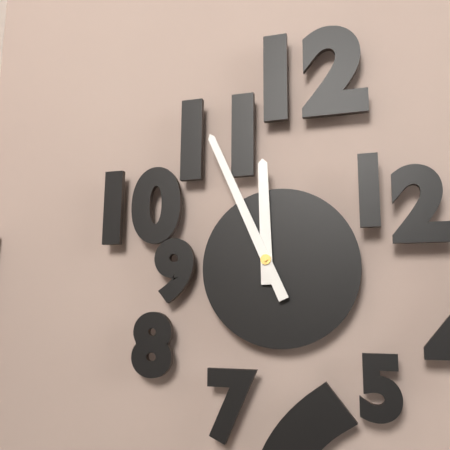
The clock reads **11:56**
